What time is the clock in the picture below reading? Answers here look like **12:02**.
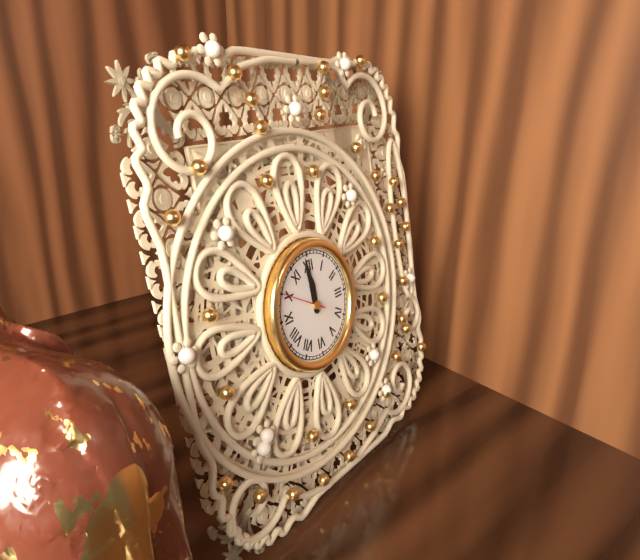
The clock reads **11:59**
